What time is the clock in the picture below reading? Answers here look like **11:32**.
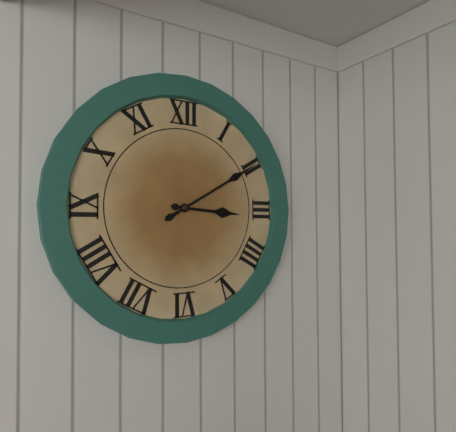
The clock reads **3:10**
